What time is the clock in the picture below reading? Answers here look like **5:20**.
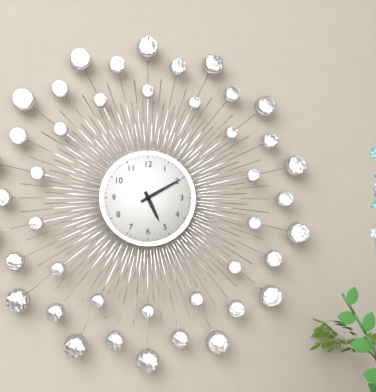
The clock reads **5:10**
